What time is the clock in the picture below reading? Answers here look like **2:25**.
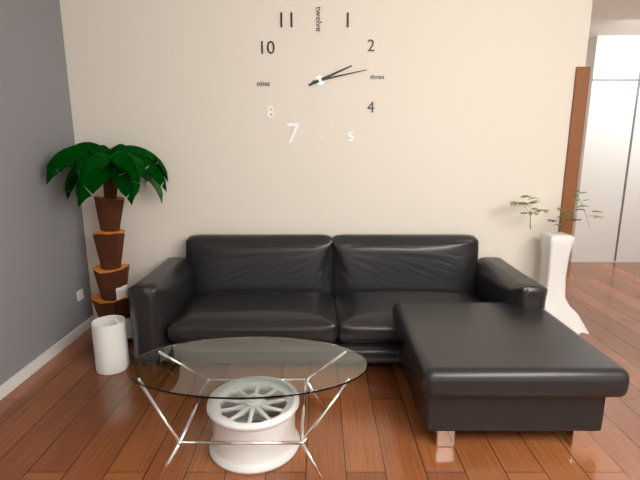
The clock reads **2:13**
